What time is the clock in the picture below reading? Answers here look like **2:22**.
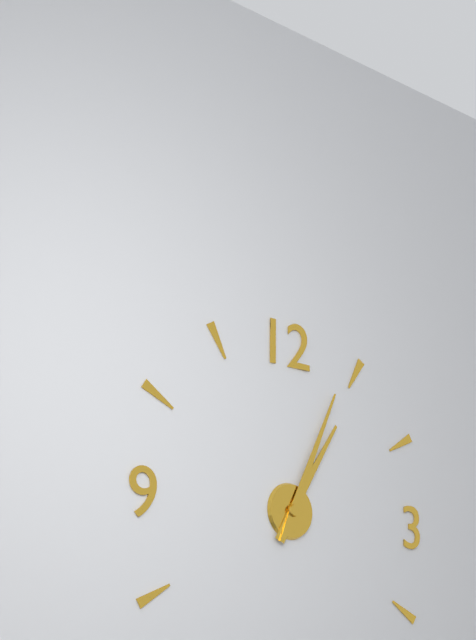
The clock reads **1:04**
